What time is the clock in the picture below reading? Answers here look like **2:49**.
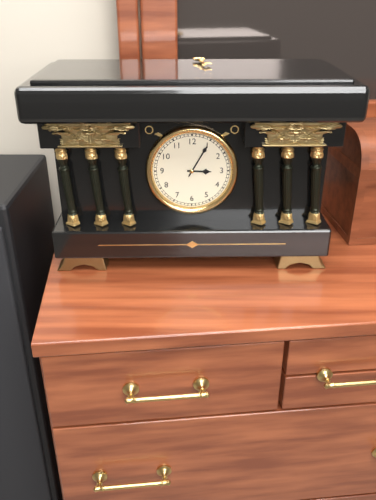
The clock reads **3:05**
